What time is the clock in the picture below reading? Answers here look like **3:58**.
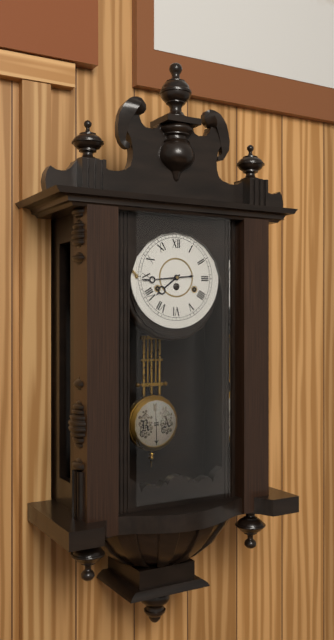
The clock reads **7:44**
